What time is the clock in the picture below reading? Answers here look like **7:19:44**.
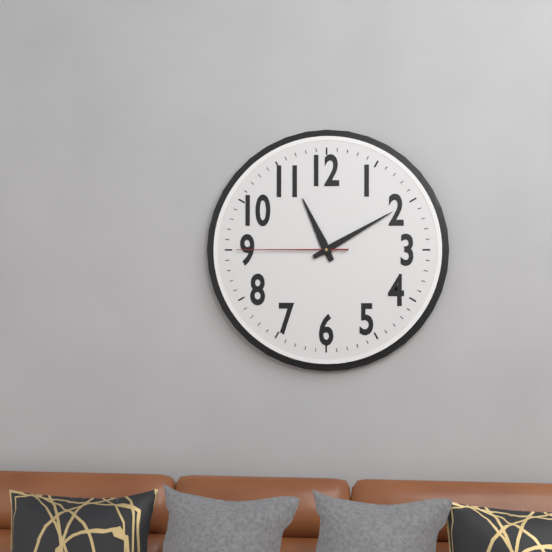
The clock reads **11:10:45**
